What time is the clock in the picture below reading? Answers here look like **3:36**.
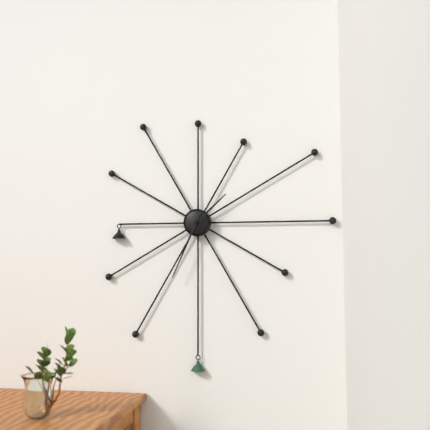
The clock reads **1:34**
